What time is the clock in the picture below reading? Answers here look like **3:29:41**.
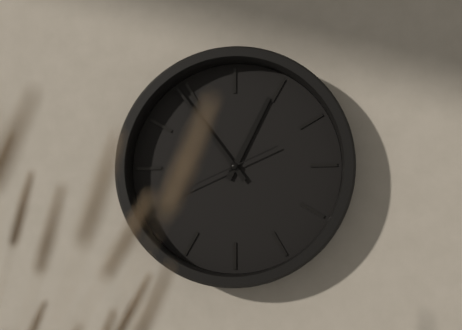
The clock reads **12:54:41**
